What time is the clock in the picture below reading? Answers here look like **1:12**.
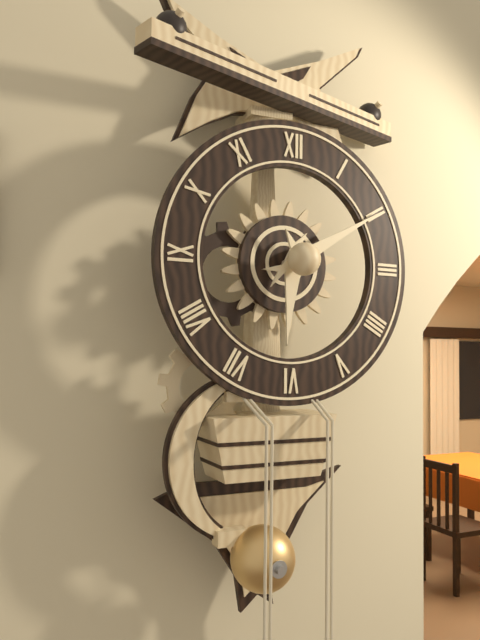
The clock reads **6:10**
